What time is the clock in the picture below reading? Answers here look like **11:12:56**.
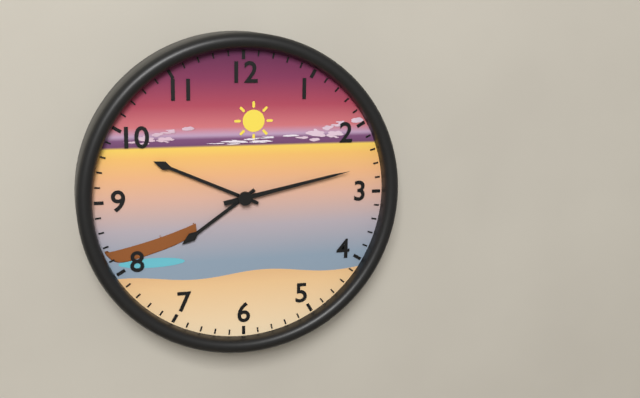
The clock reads **7:49:13**
